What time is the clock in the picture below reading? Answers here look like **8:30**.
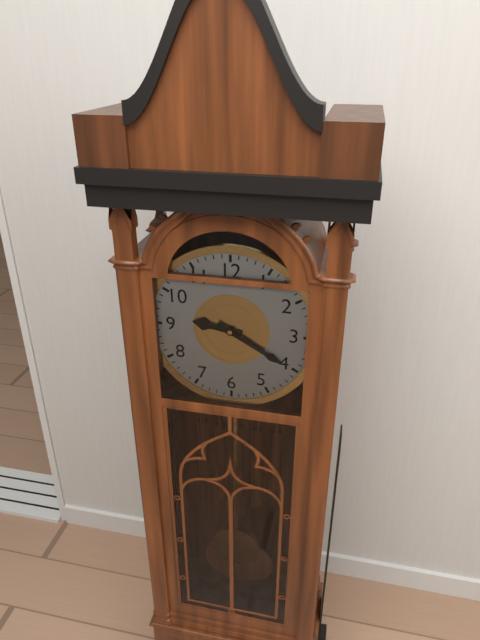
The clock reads **9:20**
